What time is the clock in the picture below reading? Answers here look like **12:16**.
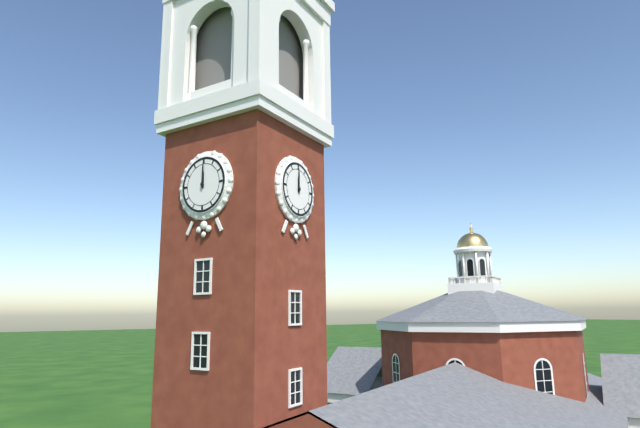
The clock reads **12:00**
